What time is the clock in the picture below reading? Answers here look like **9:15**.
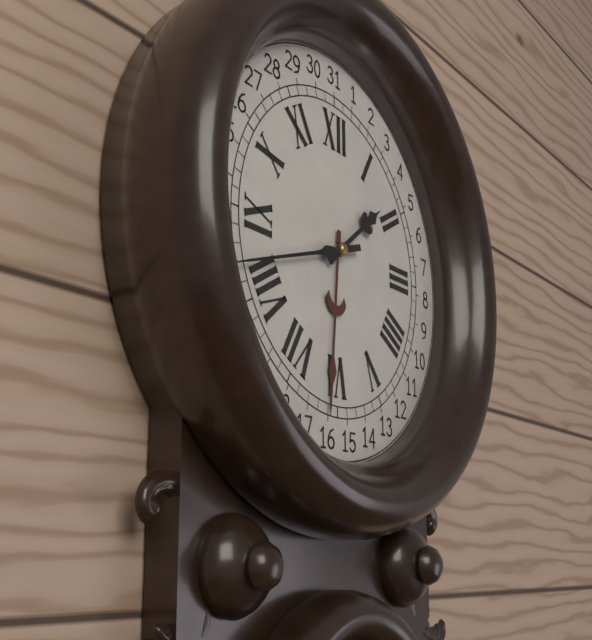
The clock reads **1:42**
